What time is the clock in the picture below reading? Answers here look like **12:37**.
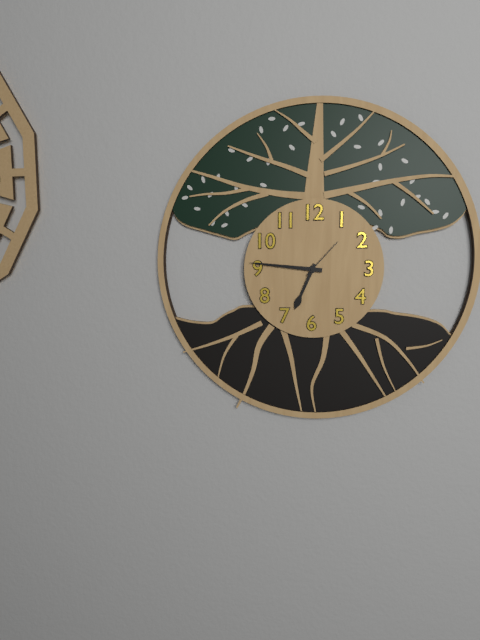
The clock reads **6:46**
